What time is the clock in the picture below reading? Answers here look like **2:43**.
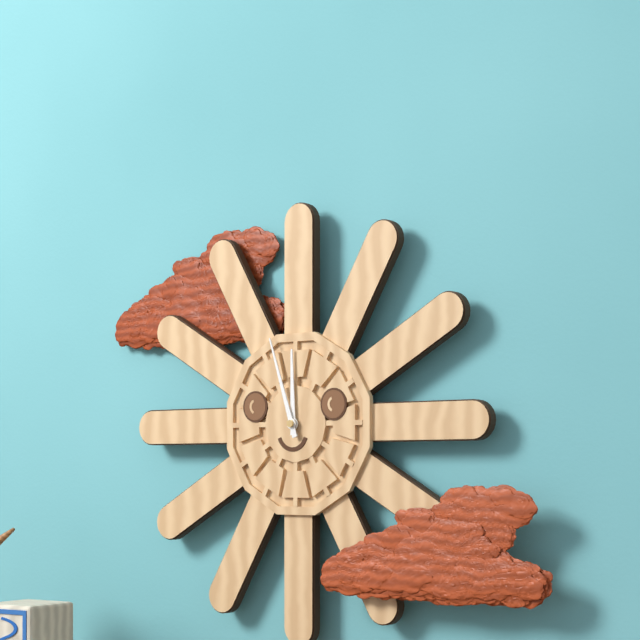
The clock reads **11:57**
